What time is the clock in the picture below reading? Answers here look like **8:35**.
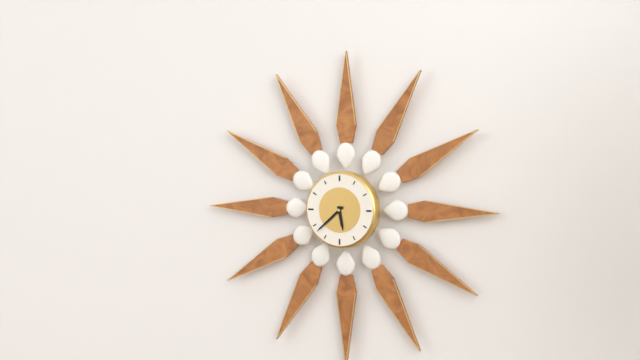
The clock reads **5:38**
